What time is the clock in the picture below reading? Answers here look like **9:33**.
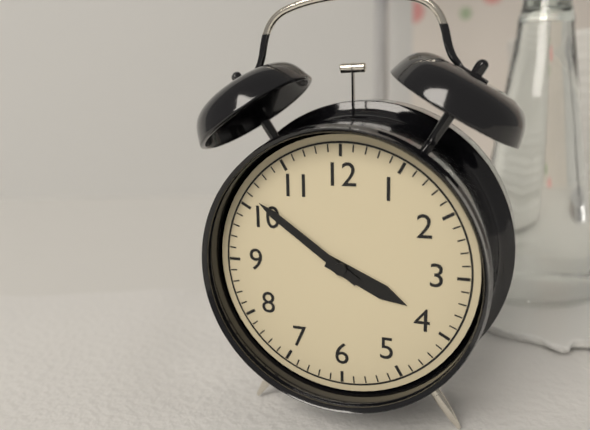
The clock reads **3:51**
